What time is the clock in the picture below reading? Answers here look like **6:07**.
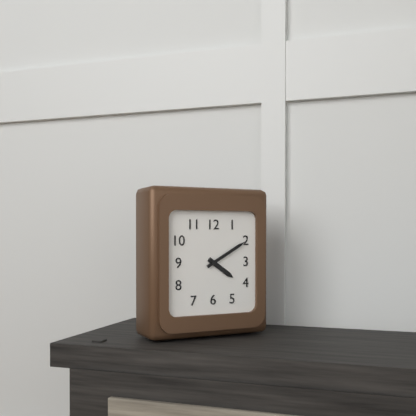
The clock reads **4:10**
